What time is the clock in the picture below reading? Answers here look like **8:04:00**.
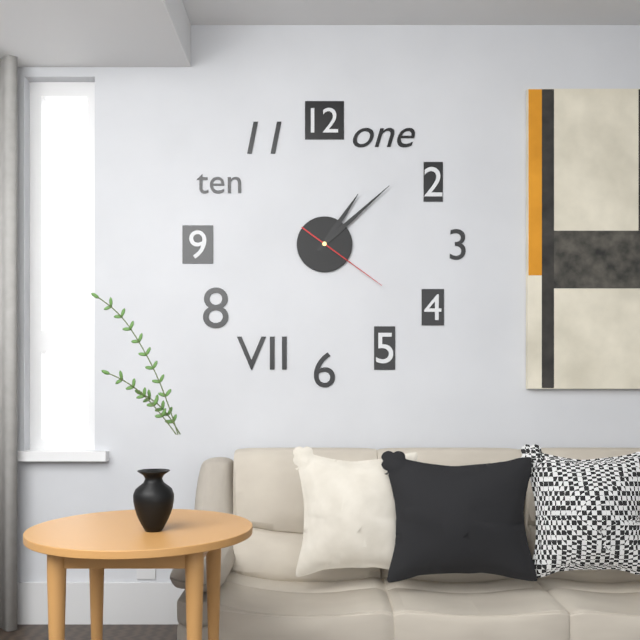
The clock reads **1:08:21**
